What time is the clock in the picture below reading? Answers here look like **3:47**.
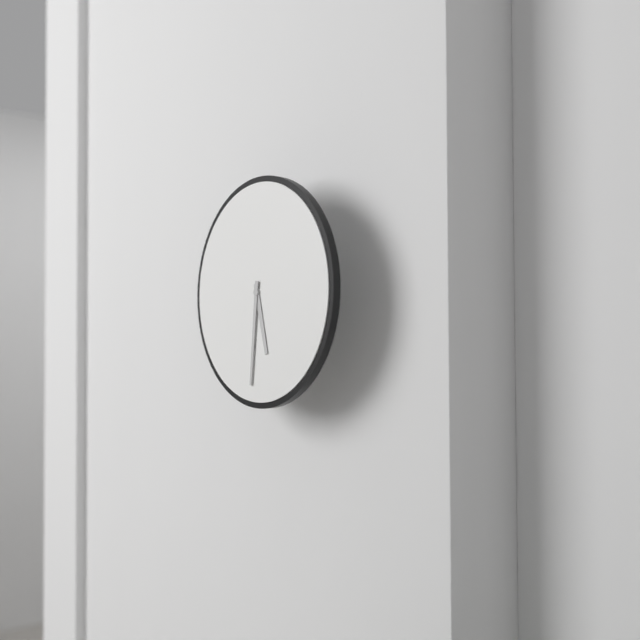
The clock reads **5:31**
